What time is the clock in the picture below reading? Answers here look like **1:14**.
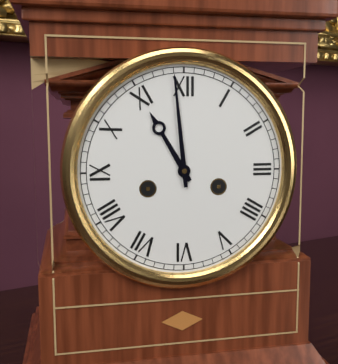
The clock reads **10:59**
